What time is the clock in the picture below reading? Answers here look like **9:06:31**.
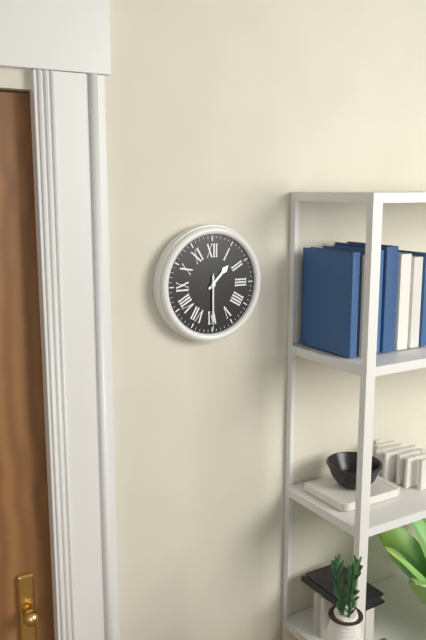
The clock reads **1:30:30**
